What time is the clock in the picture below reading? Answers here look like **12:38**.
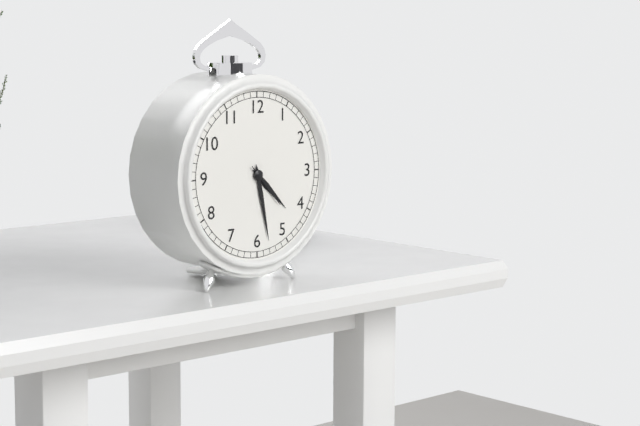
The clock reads **4:28**
